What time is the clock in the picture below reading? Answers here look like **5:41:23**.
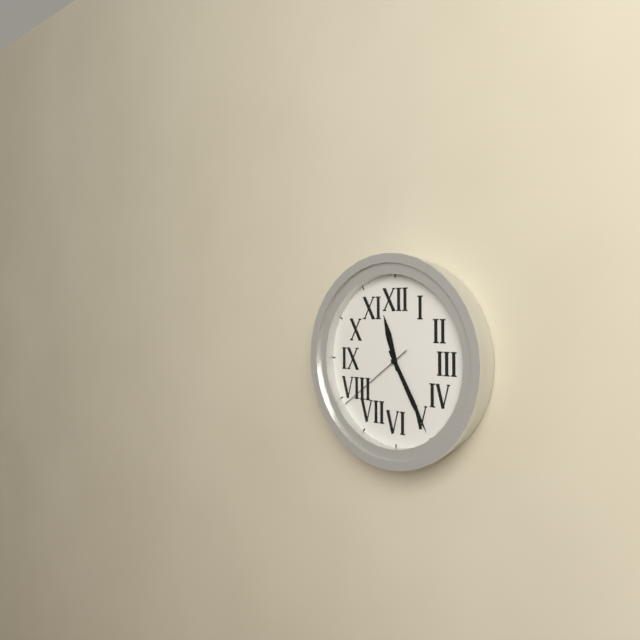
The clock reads **11:25:39**
